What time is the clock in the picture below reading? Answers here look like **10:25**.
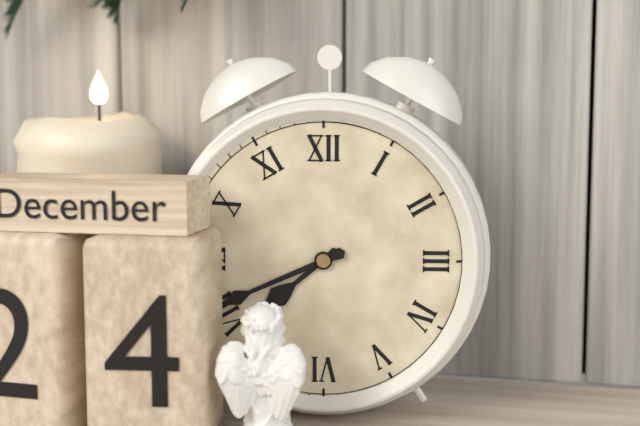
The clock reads **7:41**
